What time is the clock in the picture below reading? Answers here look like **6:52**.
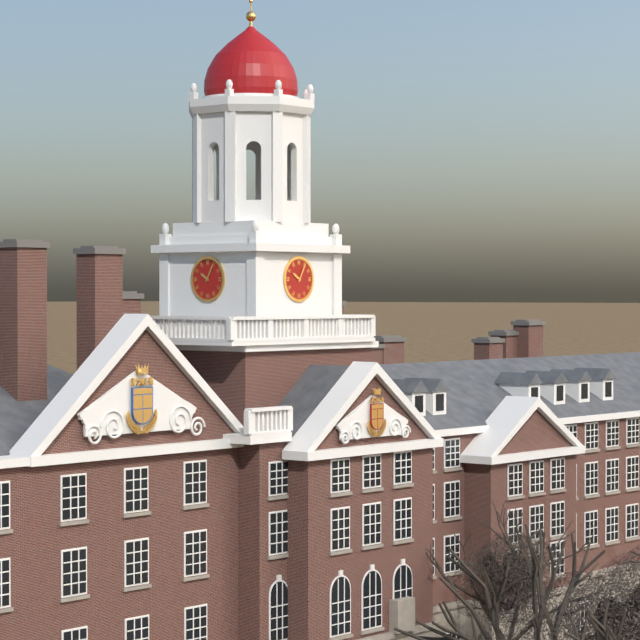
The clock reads **10:05**
